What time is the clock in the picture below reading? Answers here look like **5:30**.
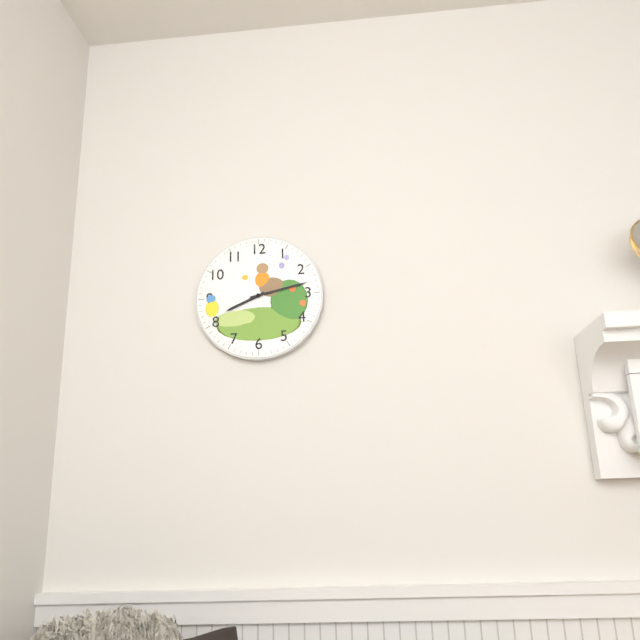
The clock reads **8:13**
